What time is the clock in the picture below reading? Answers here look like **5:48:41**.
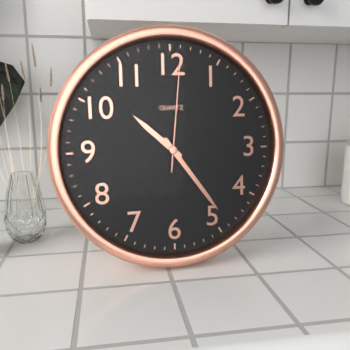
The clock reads **10:24:01**
